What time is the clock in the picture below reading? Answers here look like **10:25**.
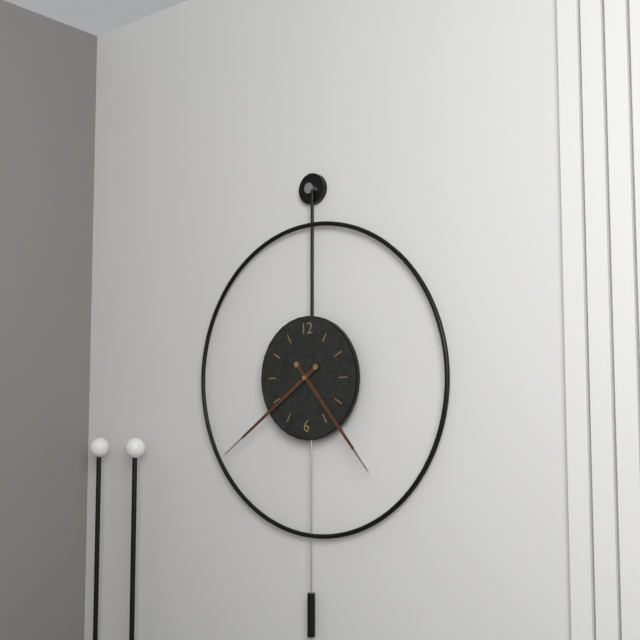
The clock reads **4:39**
